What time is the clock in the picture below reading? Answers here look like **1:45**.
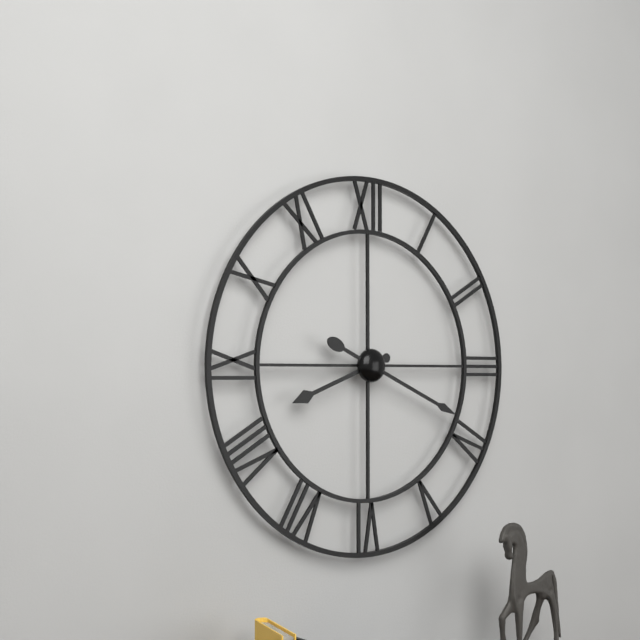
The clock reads **8:19**
